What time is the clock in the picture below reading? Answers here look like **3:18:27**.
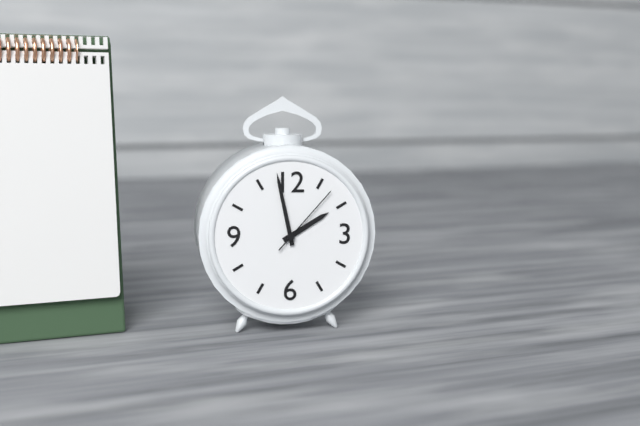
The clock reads **1:58:07**
